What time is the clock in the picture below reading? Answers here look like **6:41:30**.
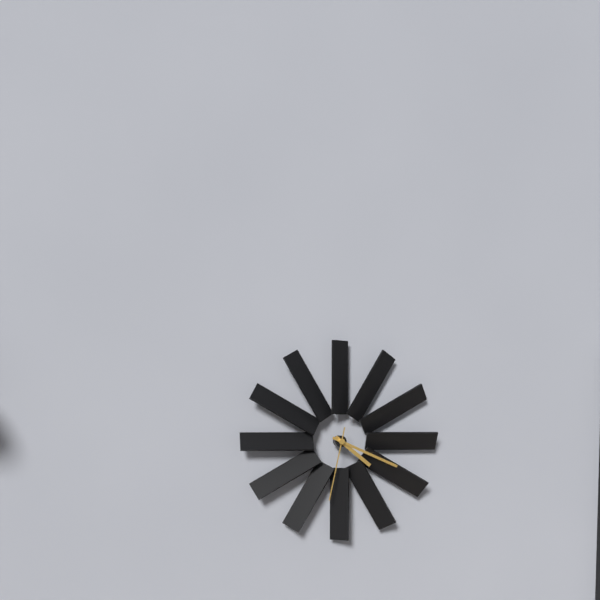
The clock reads **4:19:32**
